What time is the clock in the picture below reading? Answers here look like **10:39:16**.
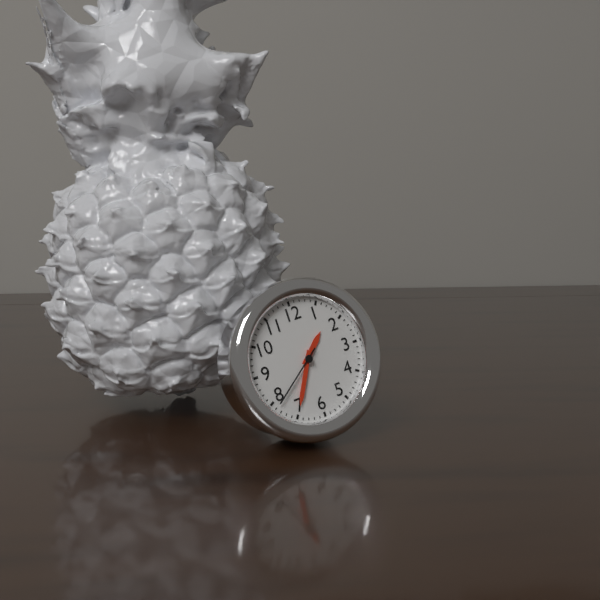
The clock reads **1:35:39**
